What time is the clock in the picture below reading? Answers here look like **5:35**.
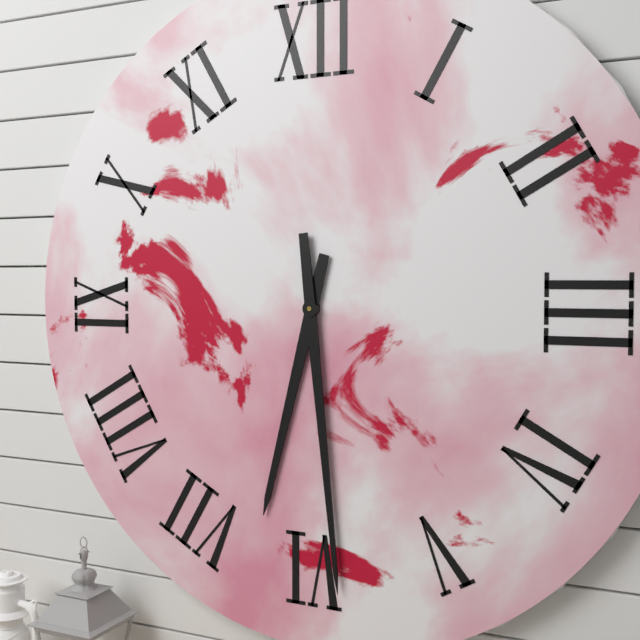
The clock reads **6:29**
